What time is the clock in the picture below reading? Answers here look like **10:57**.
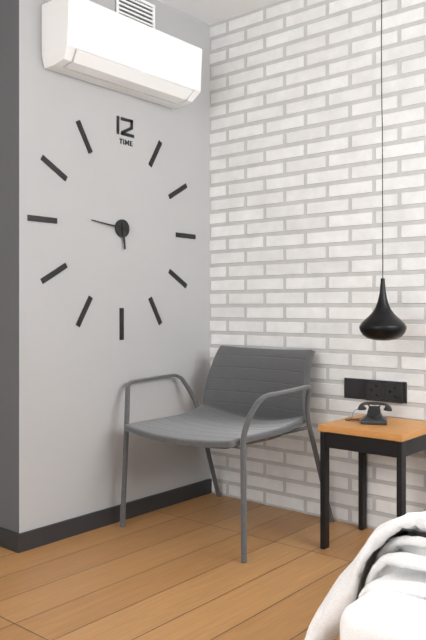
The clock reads **5:46**
